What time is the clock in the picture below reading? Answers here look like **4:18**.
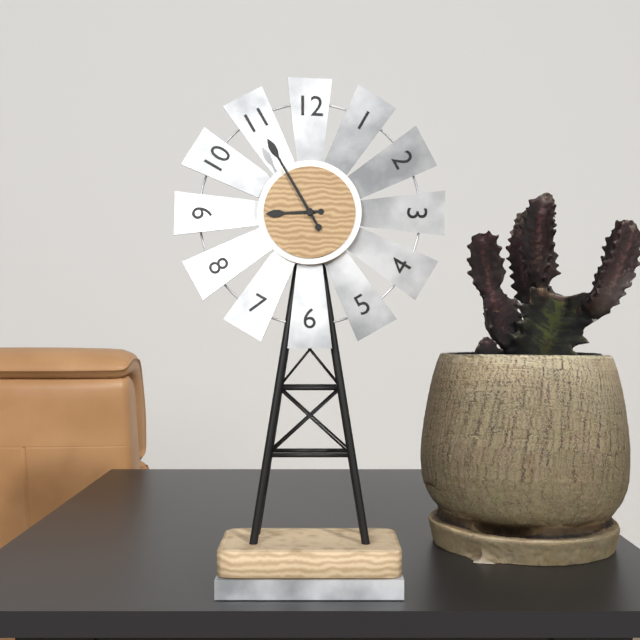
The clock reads **8:55**
